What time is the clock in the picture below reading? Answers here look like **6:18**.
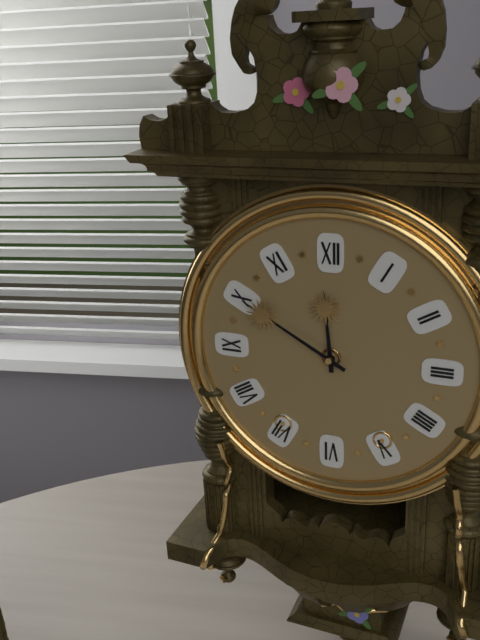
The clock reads **11:50**
